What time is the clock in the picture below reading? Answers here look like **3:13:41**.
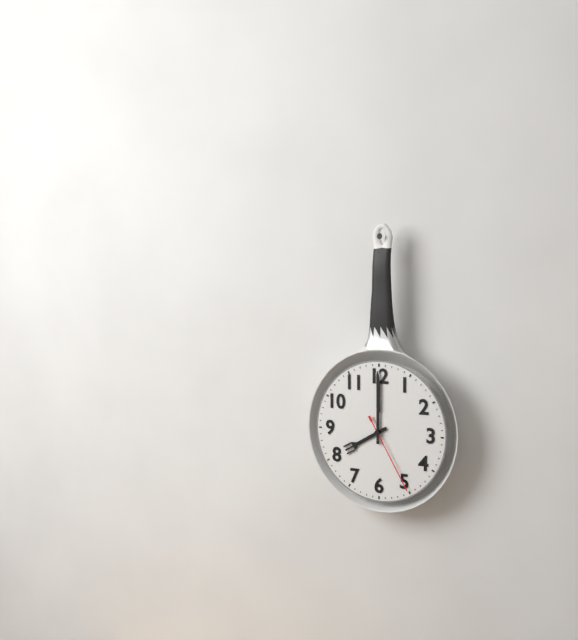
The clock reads **8:00:25**
